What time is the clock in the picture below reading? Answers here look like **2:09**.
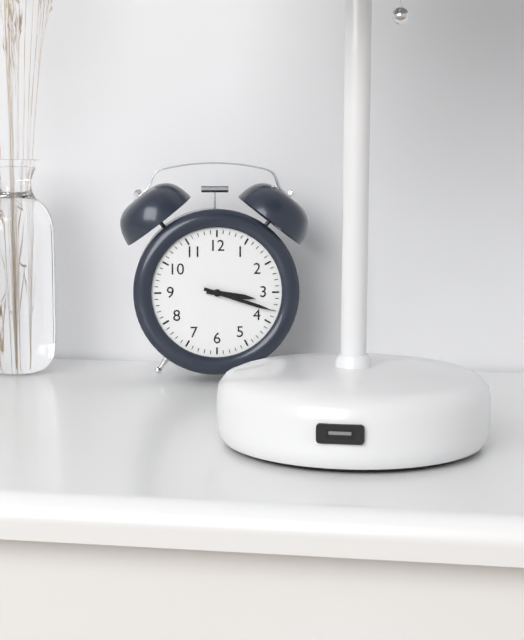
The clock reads **3:18**
